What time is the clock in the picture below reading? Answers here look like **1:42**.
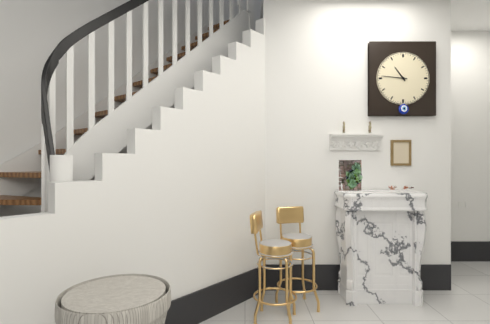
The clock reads **10:46**
